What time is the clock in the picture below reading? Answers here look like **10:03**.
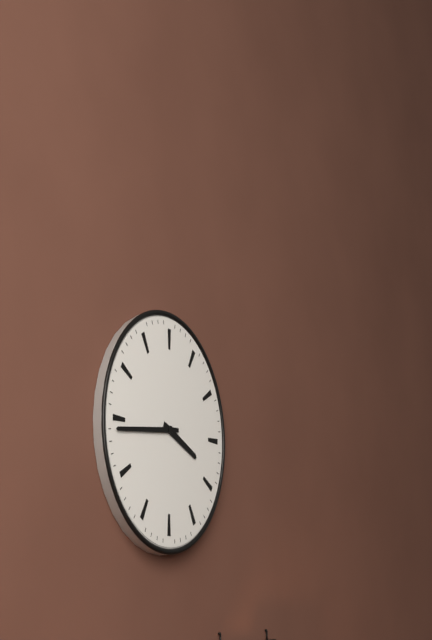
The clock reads **3:44**
